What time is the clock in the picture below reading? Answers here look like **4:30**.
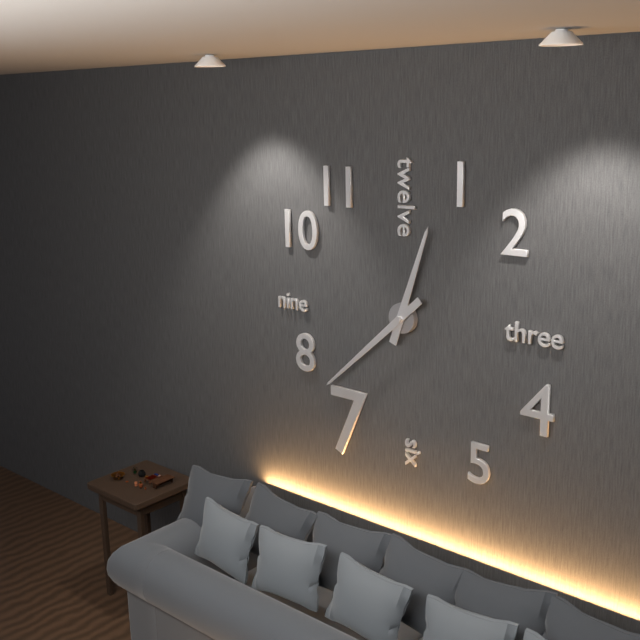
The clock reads **12:38**
